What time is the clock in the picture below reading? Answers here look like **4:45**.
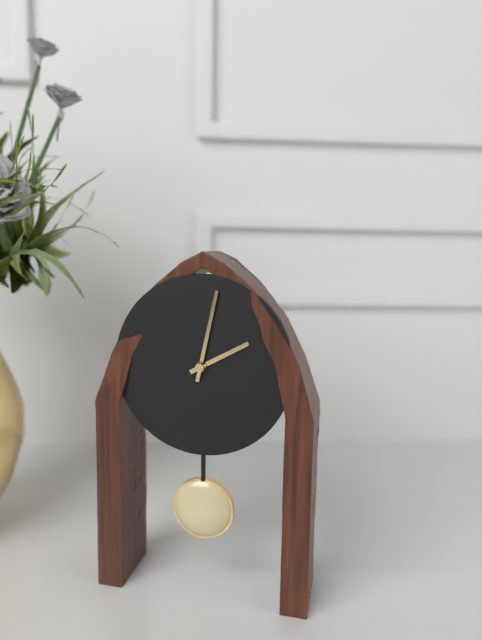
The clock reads **2:02**
